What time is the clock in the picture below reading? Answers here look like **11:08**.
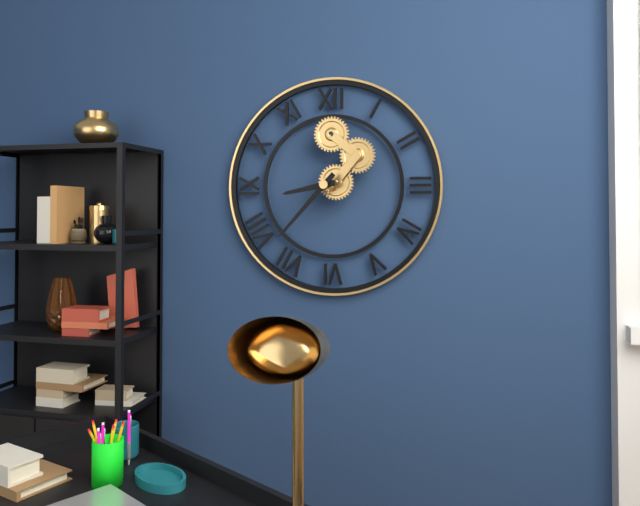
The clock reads **8:37**
